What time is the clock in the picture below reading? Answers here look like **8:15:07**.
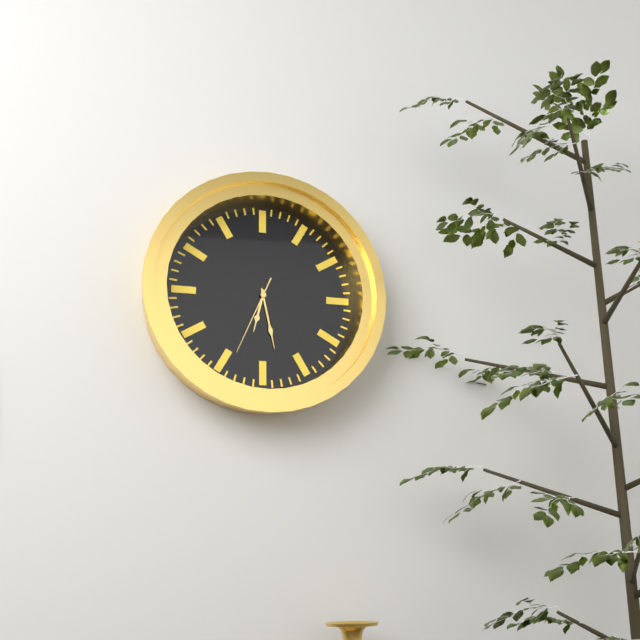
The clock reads **6:28:34**
